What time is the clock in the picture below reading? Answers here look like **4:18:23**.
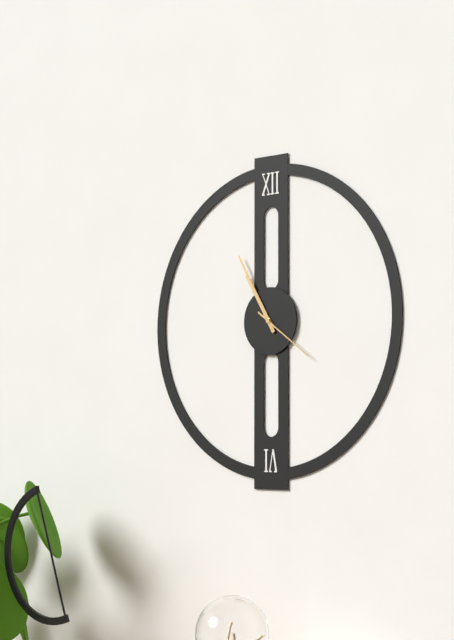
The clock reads **10:55:21**
